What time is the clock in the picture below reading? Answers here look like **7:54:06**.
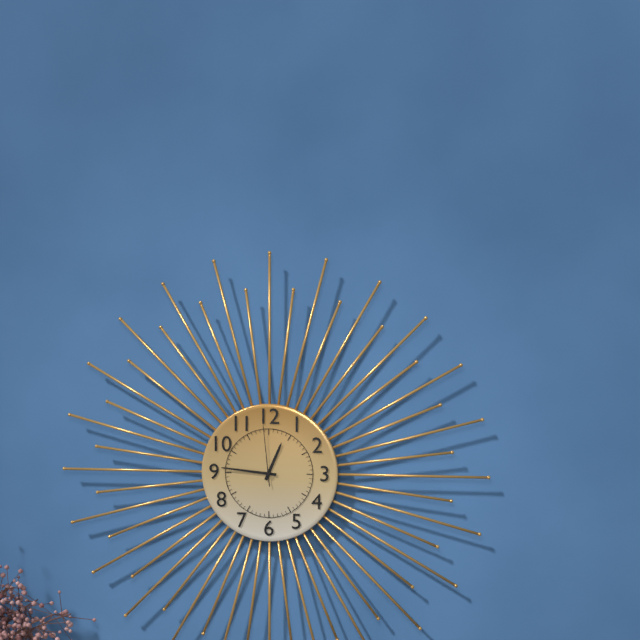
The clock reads **12:46:59**
